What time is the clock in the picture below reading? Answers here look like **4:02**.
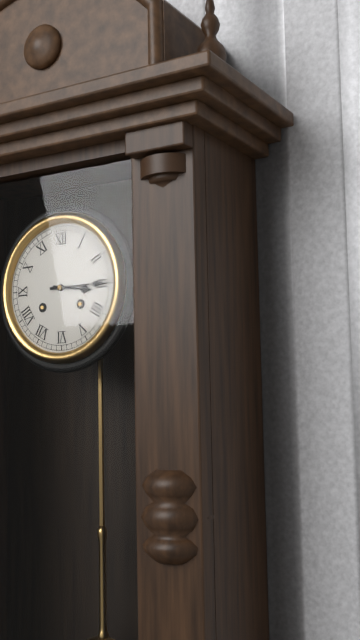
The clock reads **3:15**
